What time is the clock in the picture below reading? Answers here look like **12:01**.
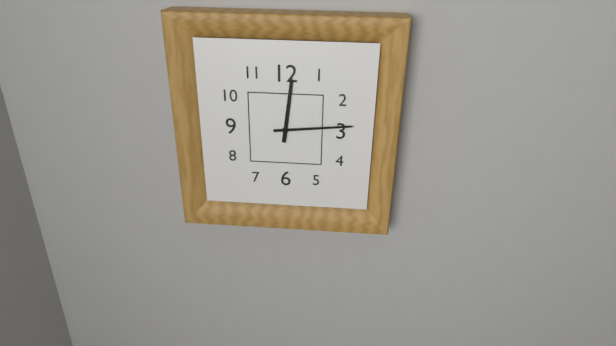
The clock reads **12:14**
